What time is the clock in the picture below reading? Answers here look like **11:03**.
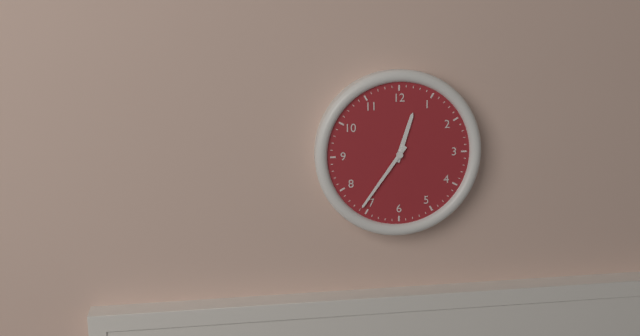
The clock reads **12:36**
